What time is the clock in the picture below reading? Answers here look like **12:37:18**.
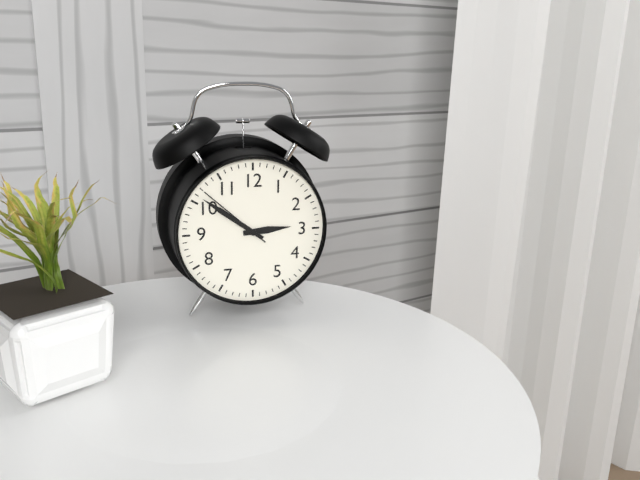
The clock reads **2:51:52**
